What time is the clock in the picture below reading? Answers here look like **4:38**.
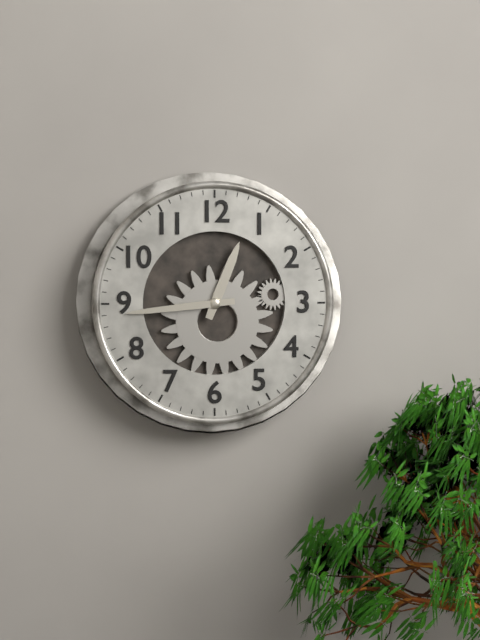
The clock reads **12:44**
